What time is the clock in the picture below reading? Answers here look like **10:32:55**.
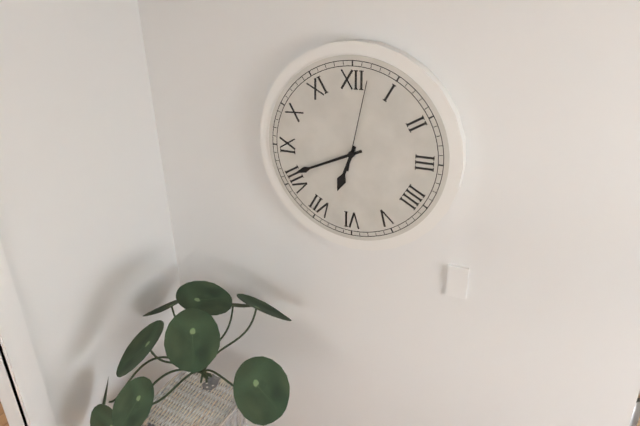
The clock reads **6:41:02**
